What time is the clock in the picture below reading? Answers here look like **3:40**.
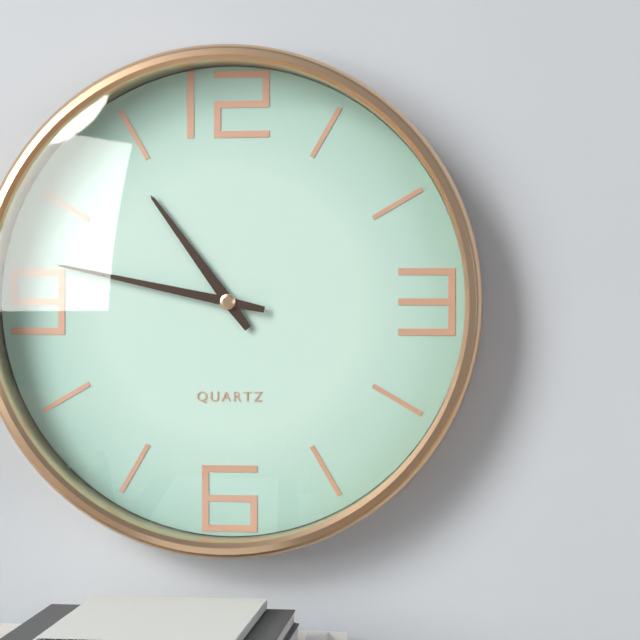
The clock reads **10:47**
